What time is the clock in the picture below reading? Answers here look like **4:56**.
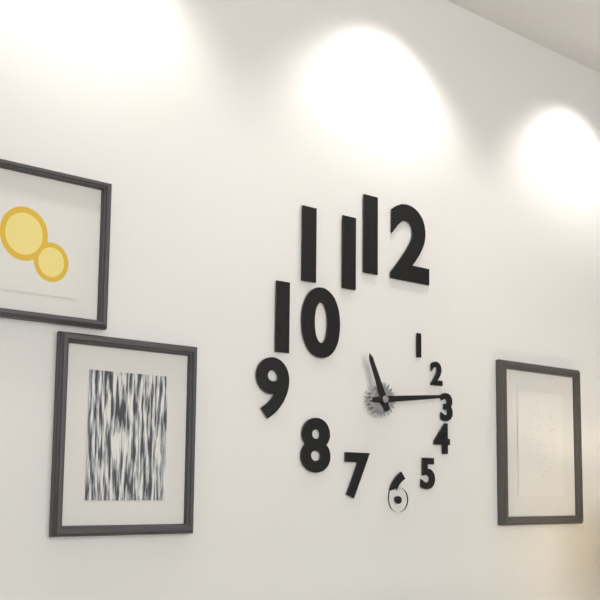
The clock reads **11:14**
